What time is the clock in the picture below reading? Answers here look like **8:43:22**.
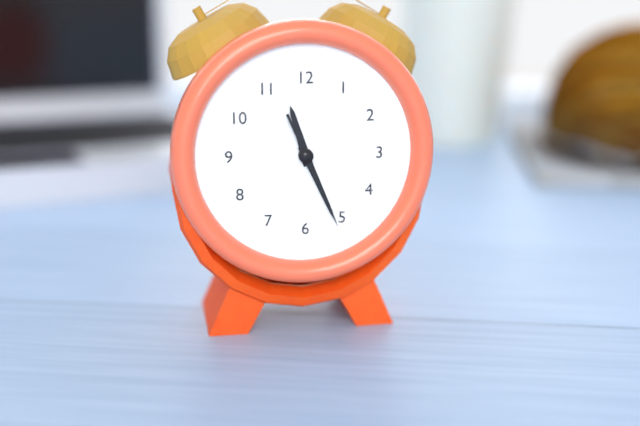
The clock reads **11:26:26**
